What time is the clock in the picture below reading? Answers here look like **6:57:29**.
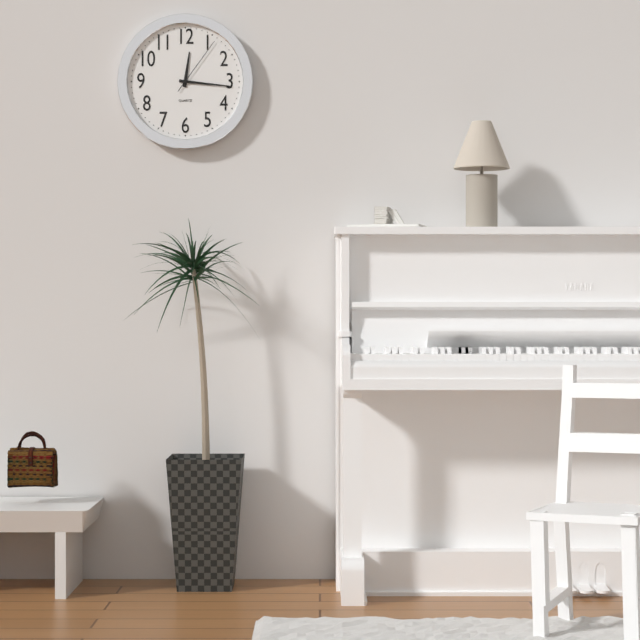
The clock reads **12:16:06**
